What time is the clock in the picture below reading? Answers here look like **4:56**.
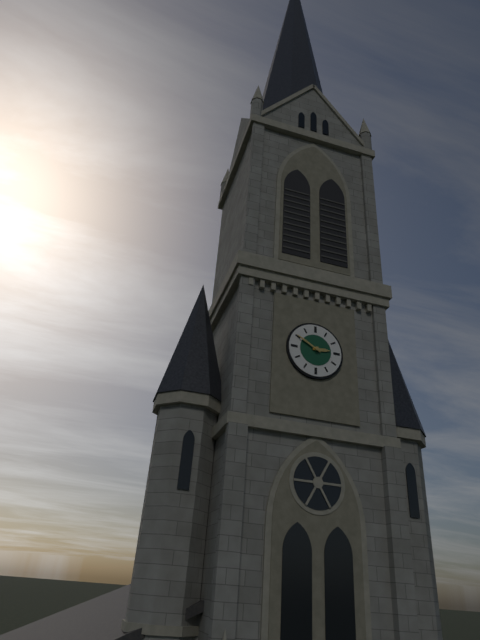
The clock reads **2:50**
